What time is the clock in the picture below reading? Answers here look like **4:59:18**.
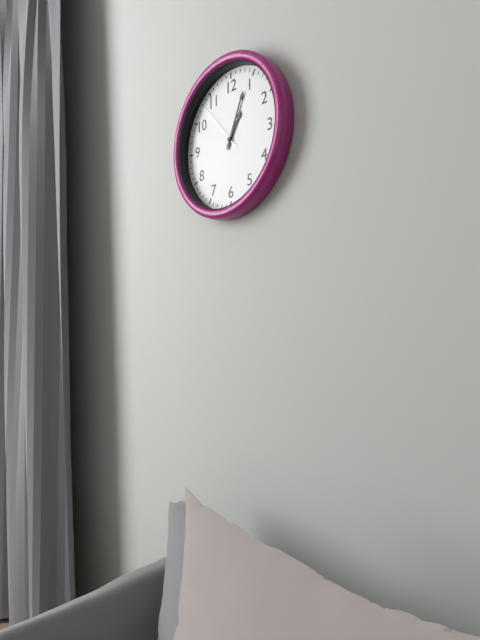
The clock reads **1:04:53**
